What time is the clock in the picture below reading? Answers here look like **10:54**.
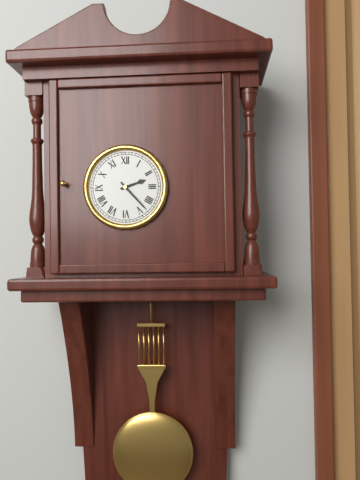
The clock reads **2:23**
